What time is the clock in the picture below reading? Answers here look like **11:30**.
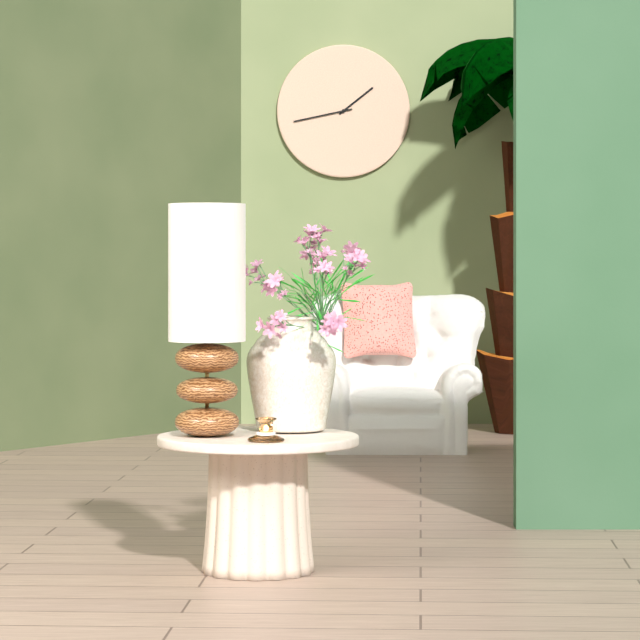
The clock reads **1:43**
